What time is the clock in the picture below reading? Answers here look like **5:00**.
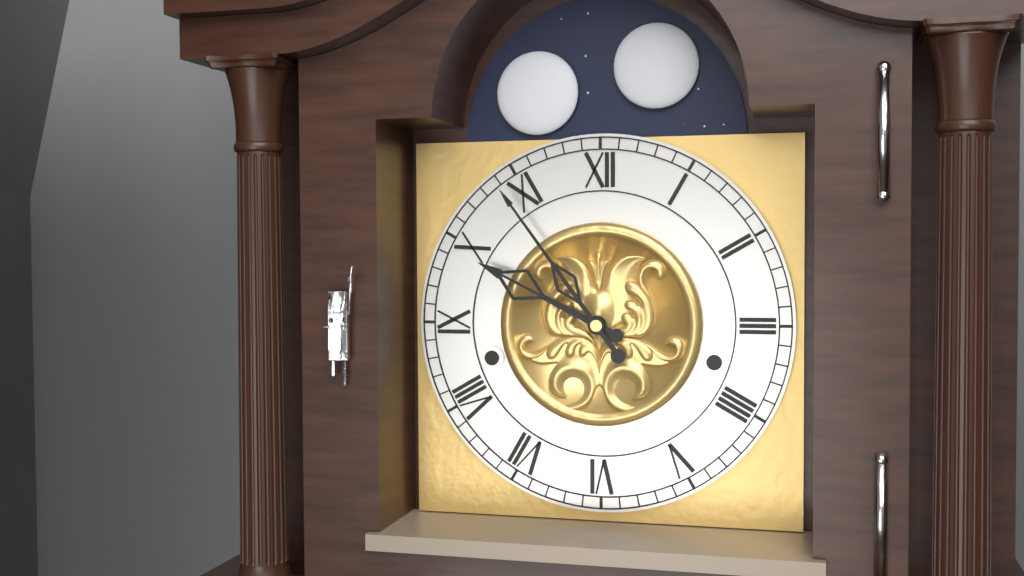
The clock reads **9:54**
